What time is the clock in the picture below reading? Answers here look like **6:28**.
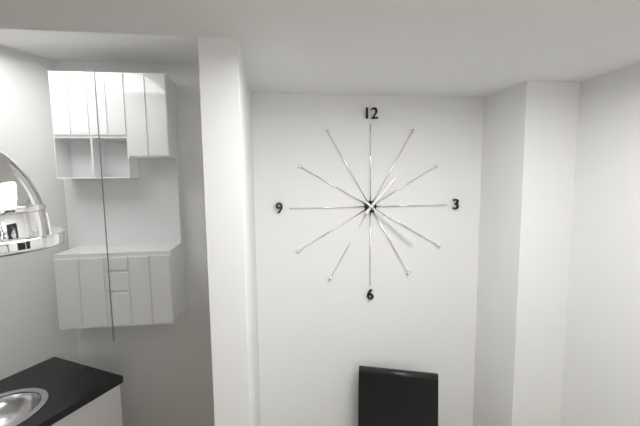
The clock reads **1:22**
